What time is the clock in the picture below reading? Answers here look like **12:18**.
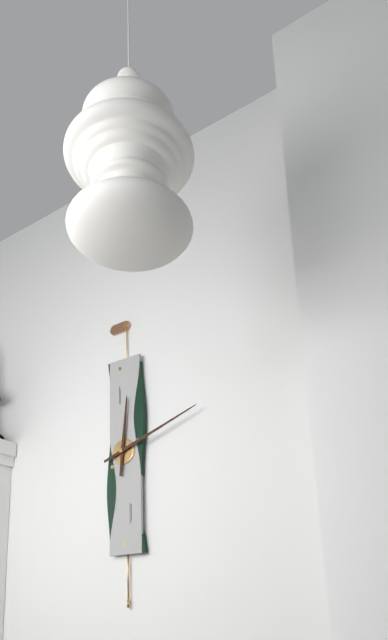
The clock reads **12:12**
